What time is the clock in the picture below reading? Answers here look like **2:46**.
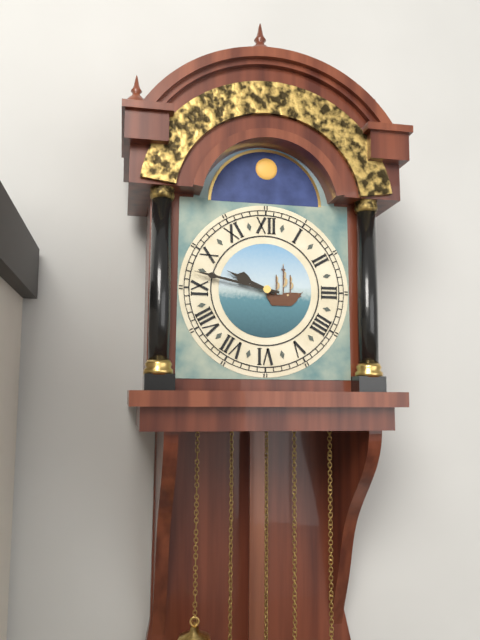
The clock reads **9:47**
